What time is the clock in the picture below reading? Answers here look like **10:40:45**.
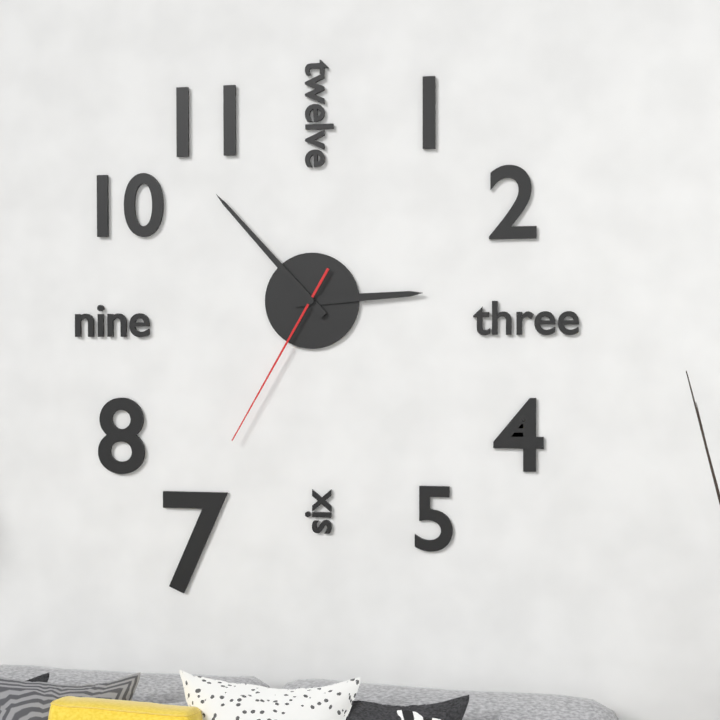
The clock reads **2:53:35**
